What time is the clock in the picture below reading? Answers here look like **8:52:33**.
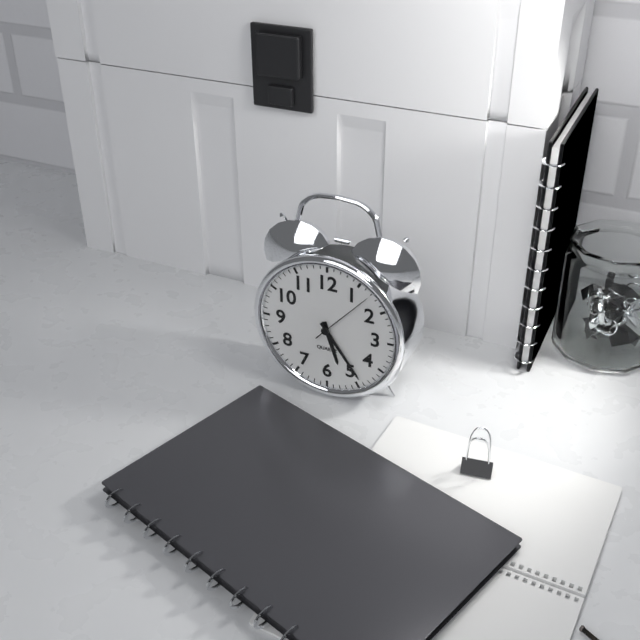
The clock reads **5:24:07**
